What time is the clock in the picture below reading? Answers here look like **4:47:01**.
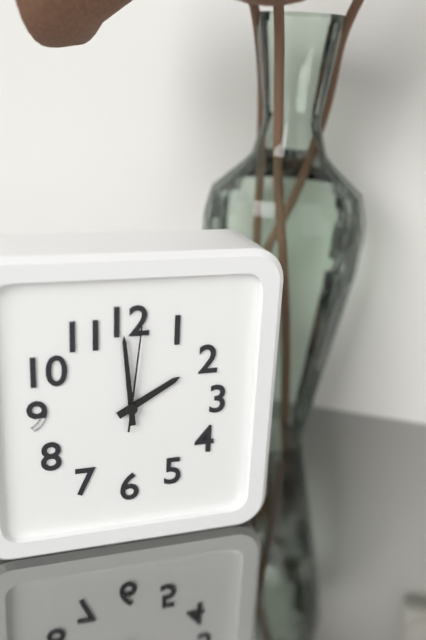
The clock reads **1:59:01**
